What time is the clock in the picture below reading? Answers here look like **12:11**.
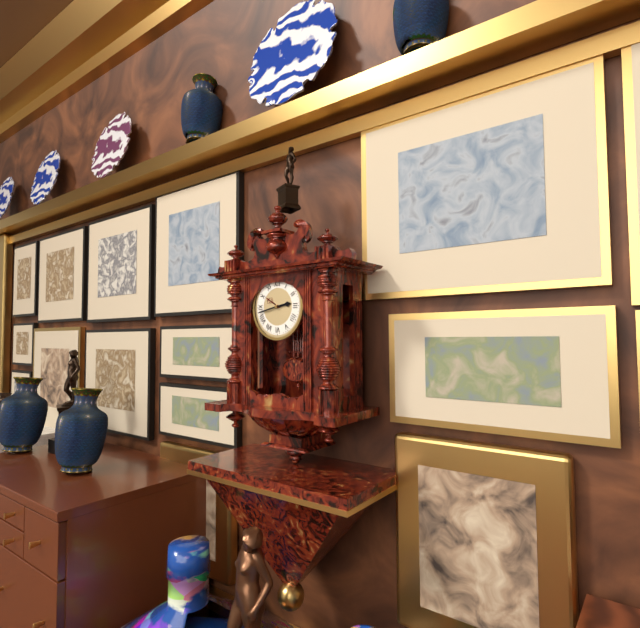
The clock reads **2:43**
